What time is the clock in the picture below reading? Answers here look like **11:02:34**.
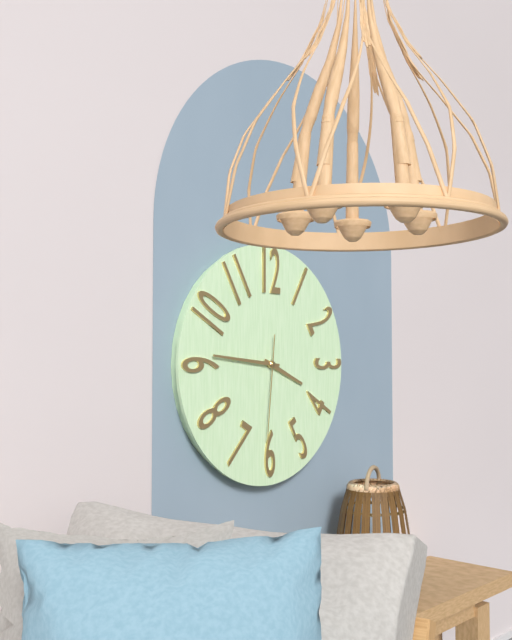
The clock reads **3:46:31**
